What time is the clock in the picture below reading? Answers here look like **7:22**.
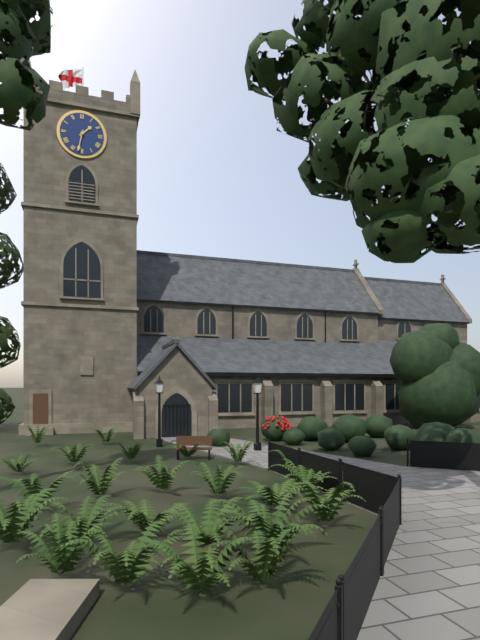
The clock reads **1:32**
